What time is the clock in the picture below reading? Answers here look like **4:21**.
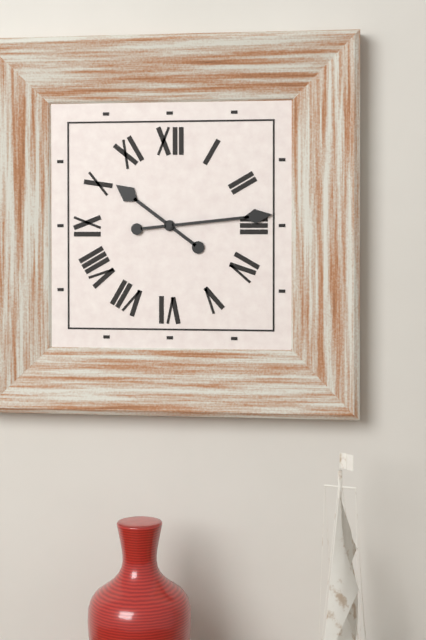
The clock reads **10:14**
